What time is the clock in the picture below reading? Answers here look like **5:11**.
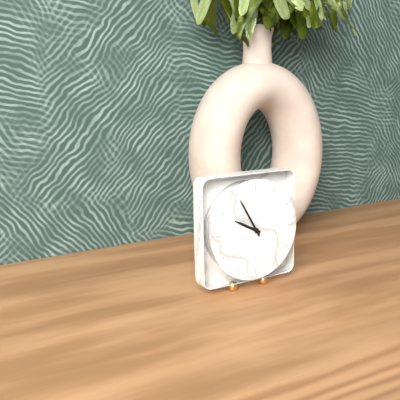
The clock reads **9:55**
